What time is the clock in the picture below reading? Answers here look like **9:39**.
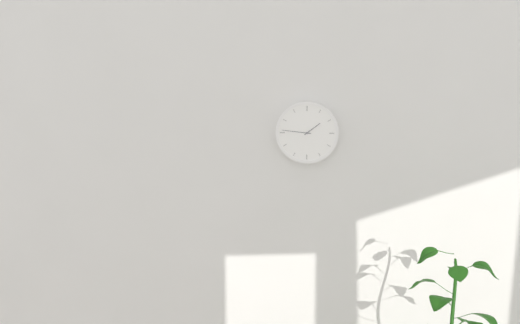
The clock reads **1:46**
